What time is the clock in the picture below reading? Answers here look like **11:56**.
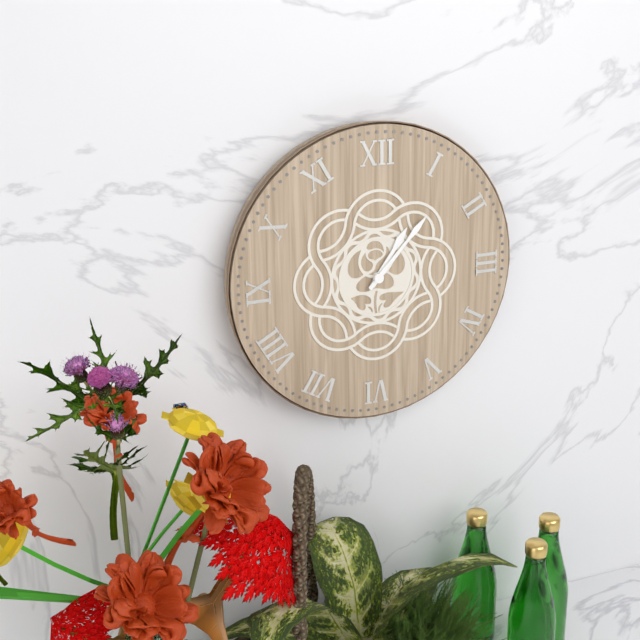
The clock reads **1:07**
